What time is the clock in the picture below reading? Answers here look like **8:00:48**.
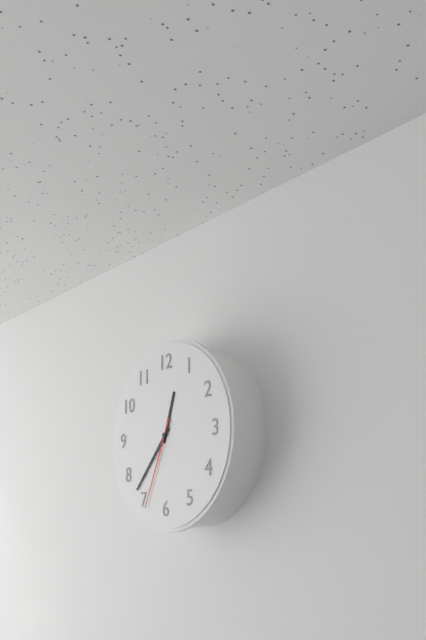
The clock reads **12:37:34**
